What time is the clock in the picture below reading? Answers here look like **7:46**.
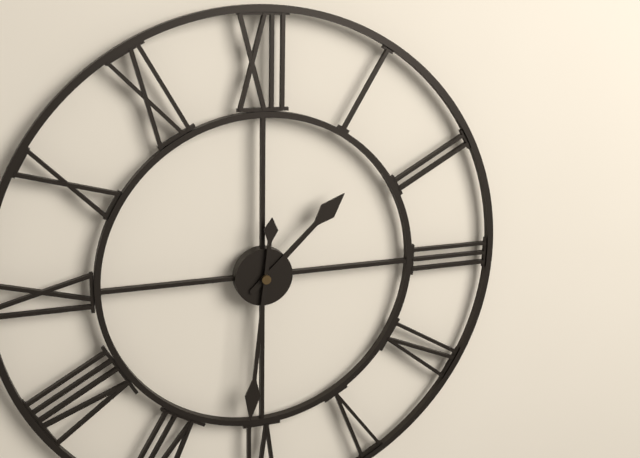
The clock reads **1:31**
